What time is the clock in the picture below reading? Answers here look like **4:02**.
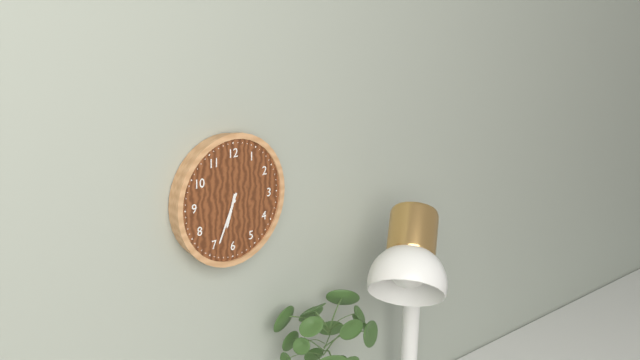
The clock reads **6:34**
